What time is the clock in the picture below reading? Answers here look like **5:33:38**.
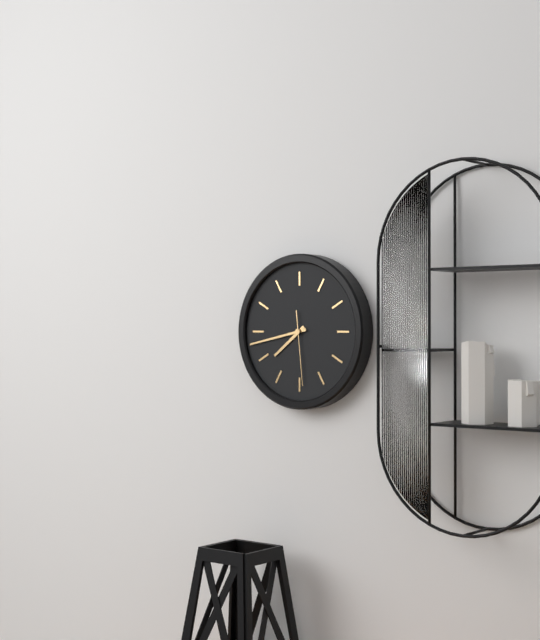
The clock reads **7:43:29**
